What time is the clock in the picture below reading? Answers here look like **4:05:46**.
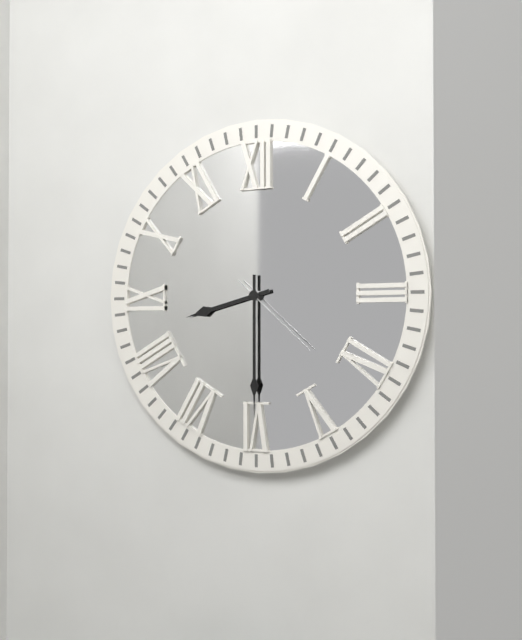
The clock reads **8:30:22**
